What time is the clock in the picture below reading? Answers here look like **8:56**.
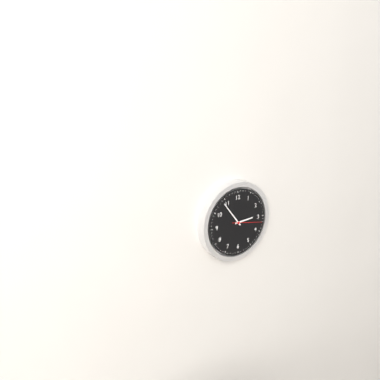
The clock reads **2:54**
